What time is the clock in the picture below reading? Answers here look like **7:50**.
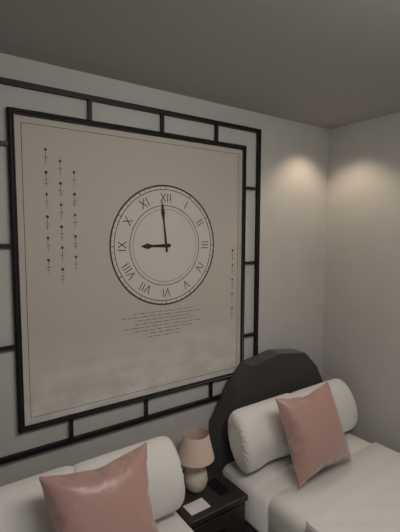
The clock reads **8:59**
